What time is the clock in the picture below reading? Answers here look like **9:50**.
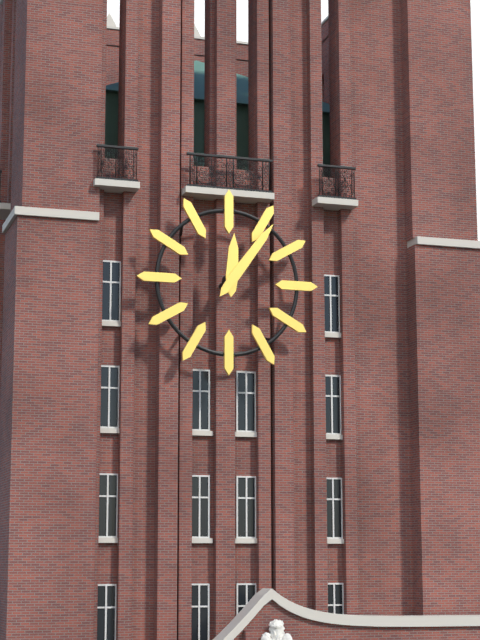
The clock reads **12:06**
